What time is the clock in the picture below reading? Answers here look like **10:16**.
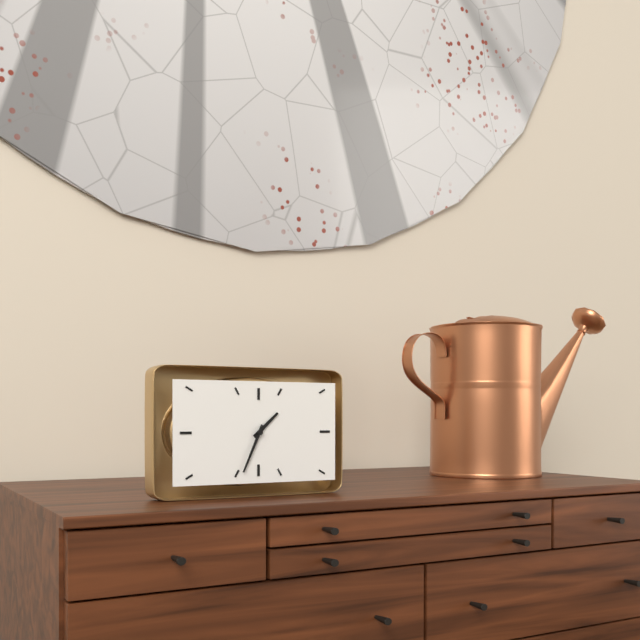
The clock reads **1:34**
